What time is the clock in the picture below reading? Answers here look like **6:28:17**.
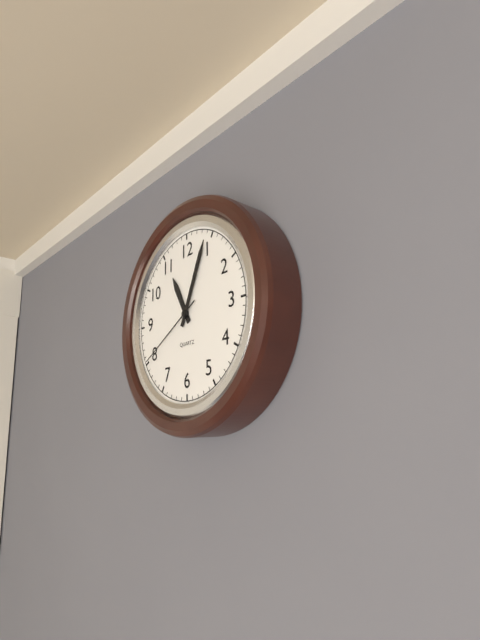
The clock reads **11:04:40**
